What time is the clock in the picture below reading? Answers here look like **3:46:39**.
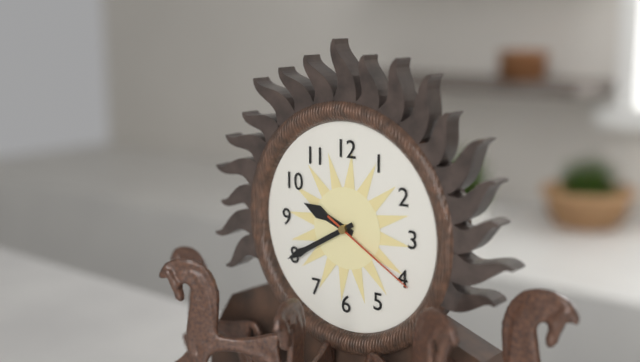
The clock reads **9:40:20**
